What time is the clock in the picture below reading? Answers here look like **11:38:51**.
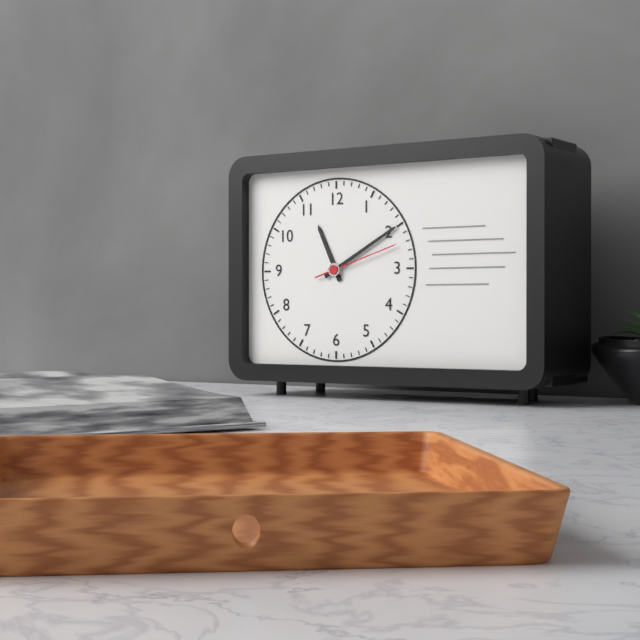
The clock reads **11:10:12**
